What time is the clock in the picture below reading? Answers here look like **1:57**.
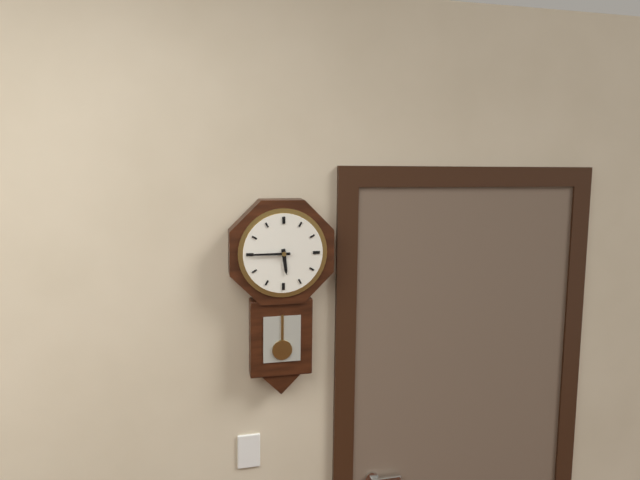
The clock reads **5:45**
